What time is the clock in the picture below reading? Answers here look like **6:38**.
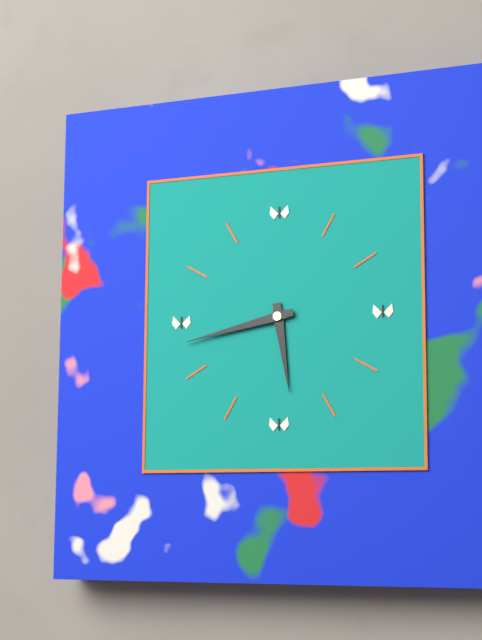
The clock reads **5:43**
